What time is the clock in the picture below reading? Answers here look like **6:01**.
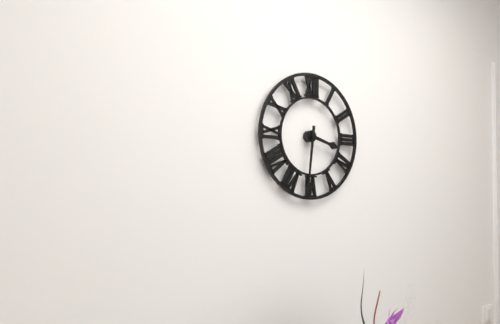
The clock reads **3:31**
